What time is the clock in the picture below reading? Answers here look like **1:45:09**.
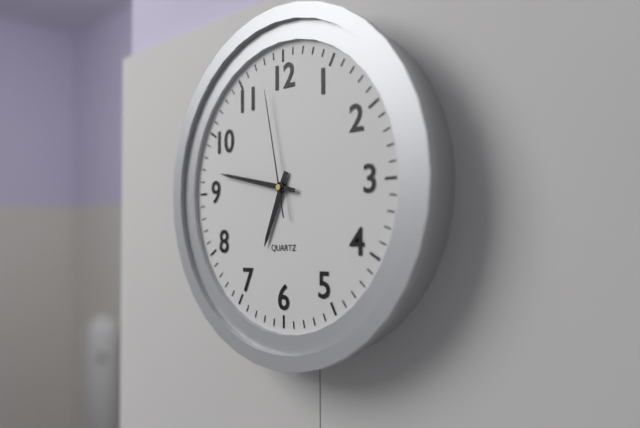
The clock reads **6:47:58**
